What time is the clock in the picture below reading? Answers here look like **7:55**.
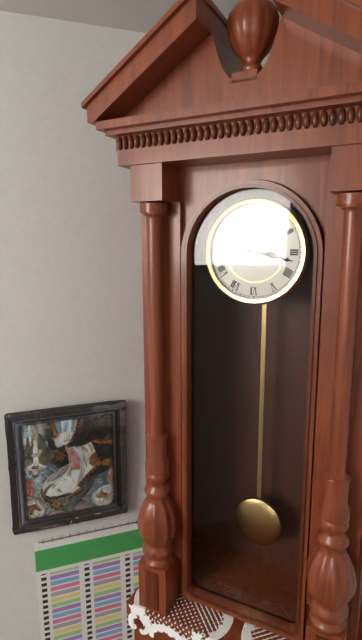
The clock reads **3:17**
